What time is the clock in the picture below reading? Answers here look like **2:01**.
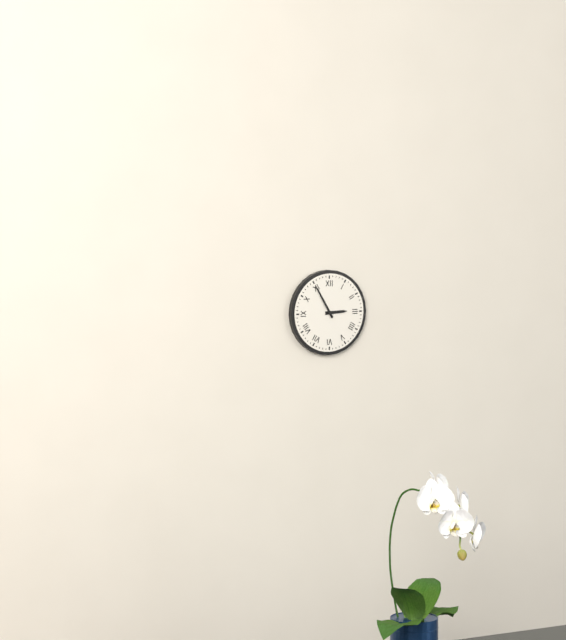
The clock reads **2:55**
